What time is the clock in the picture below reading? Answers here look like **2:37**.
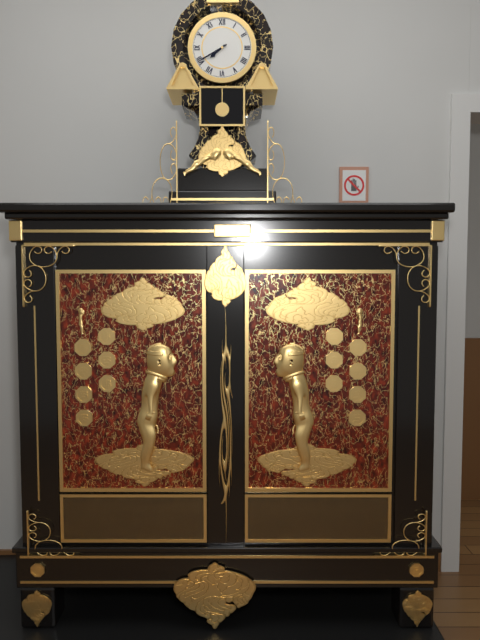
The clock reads **7:40**
